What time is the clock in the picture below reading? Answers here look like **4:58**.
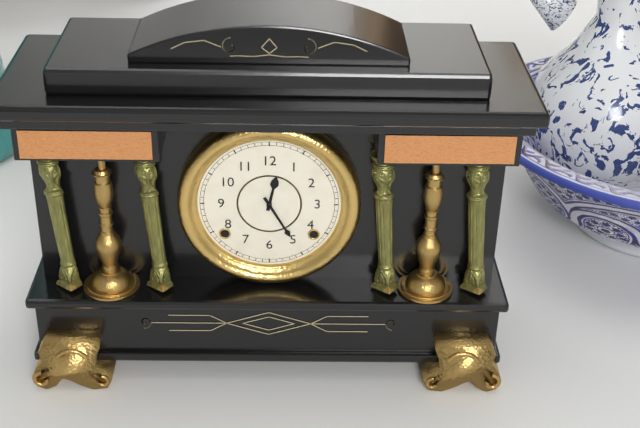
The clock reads **12:25**
